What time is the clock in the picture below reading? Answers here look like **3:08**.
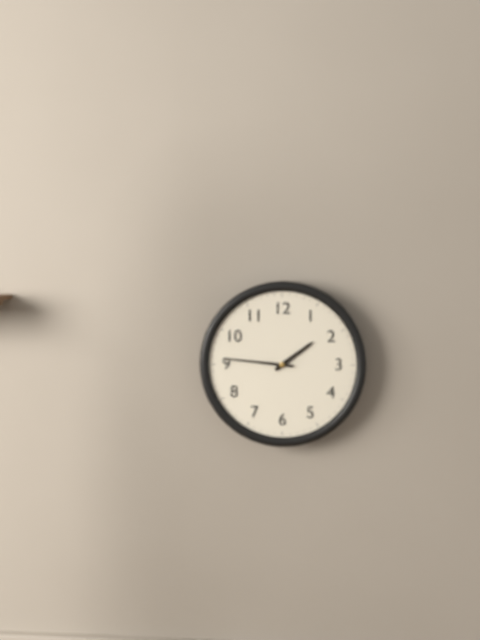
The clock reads **1:46**
